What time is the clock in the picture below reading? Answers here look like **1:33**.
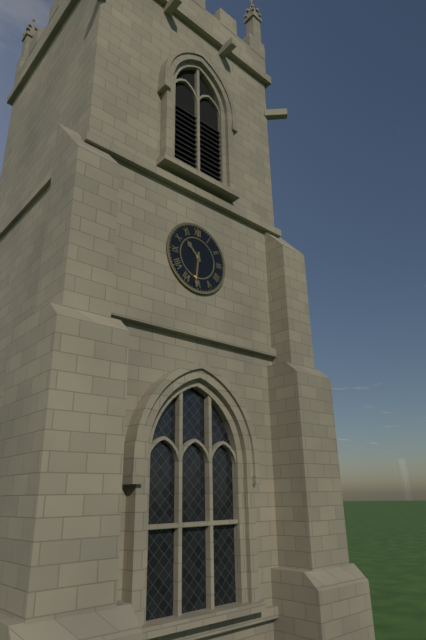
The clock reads **10:31**
